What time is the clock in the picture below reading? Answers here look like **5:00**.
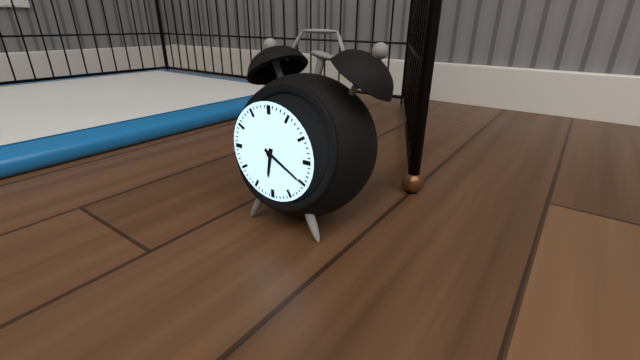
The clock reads **6:20**
